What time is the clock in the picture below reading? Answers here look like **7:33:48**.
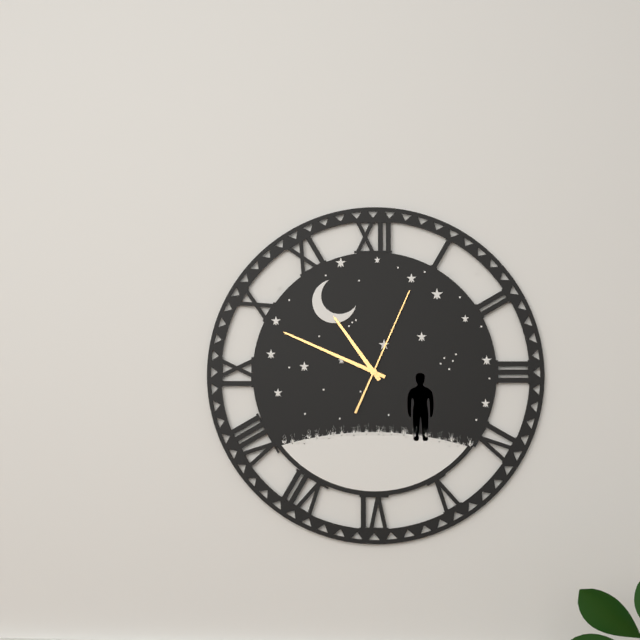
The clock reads **10:49:04**
